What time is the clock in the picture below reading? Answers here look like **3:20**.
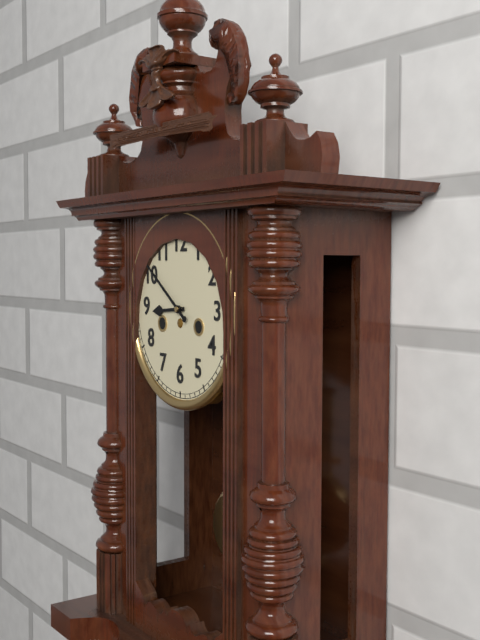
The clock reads **8:51**
